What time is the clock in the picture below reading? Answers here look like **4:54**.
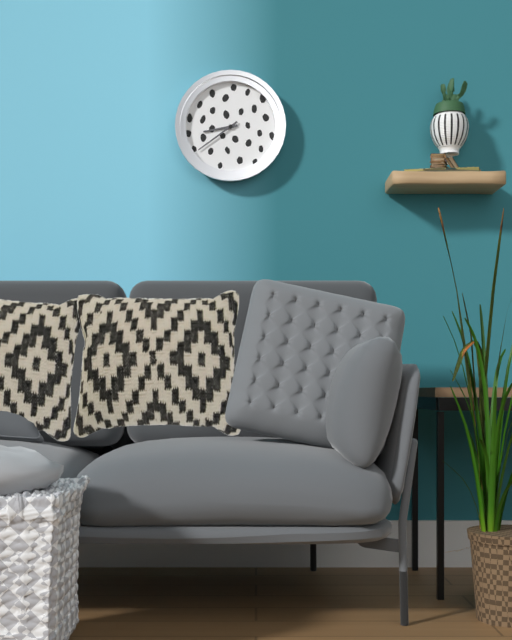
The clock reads **8:39**
